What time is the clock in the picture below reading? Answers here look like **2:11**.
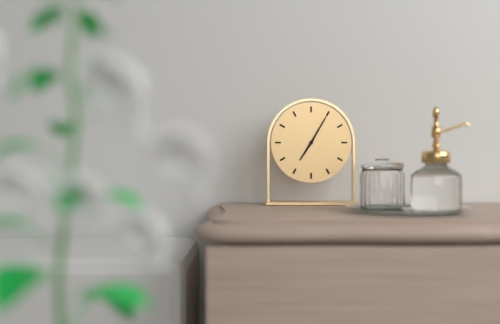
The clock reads **7:05**
